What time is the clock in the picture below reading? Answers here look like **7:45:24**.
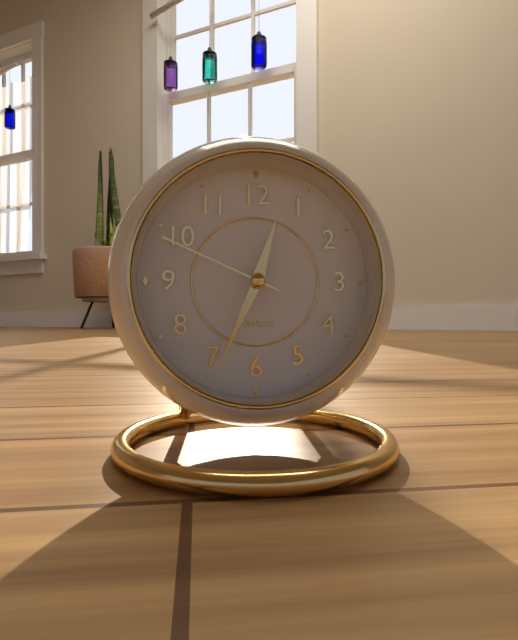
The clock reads **12:34:49**
